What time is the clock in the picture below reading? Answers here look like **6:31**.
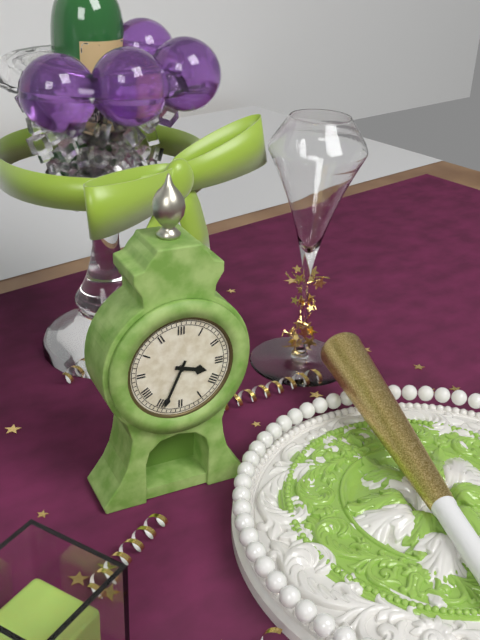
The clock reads **3:34**
